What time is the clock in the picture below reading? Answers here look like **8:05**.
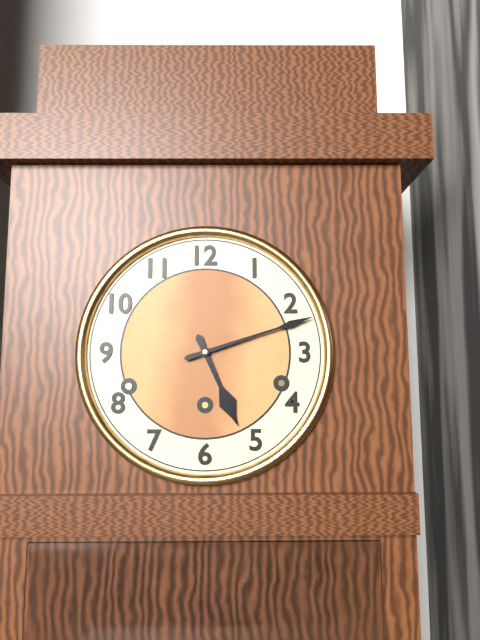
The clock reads **5:12**
